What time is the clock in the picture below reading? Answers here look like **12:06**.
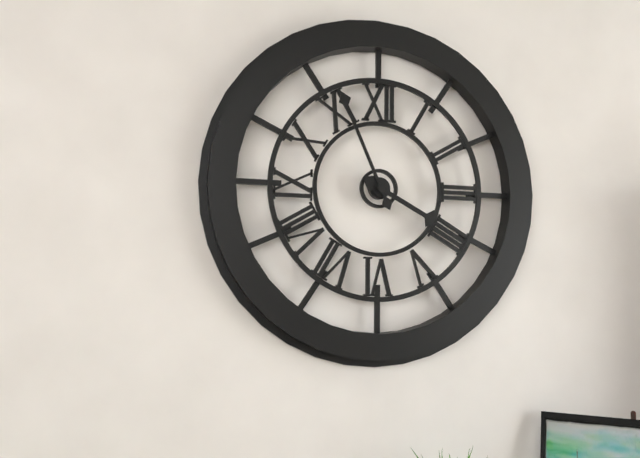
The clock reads **3:56**
